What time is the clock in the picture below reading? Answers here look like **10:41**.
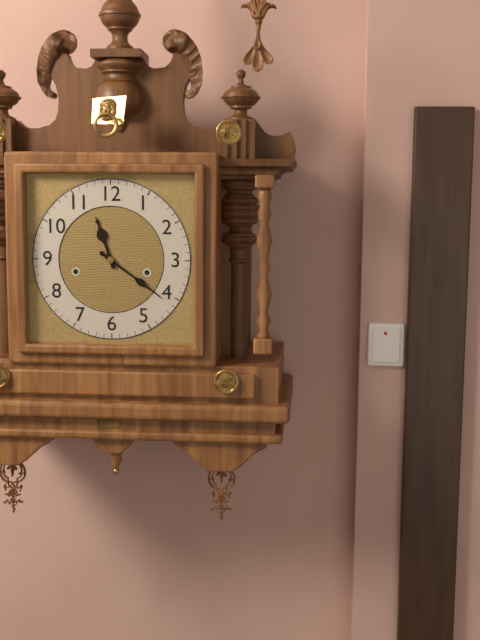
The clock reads **11:21**
